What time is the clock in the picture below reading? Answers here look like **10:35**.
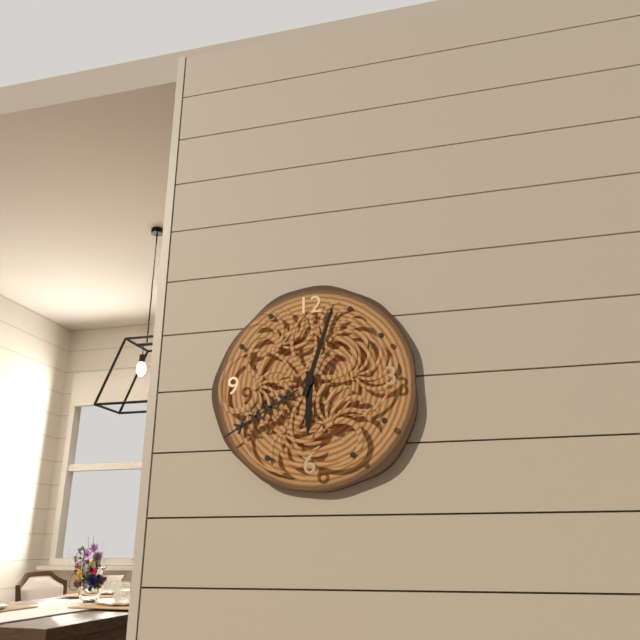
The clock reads **6:03**
